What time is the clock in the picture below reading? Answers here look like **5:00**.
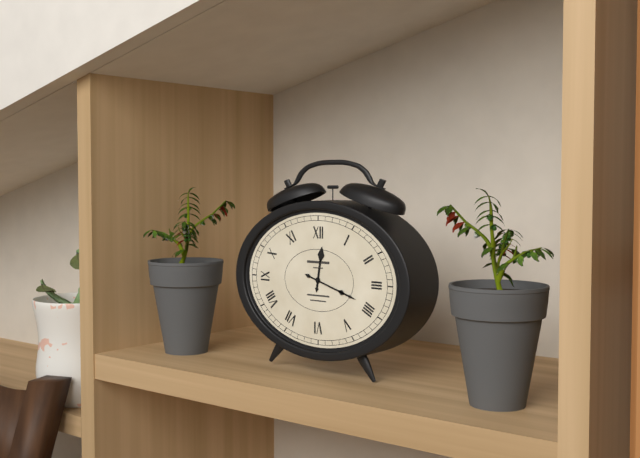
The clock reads **12:18**
